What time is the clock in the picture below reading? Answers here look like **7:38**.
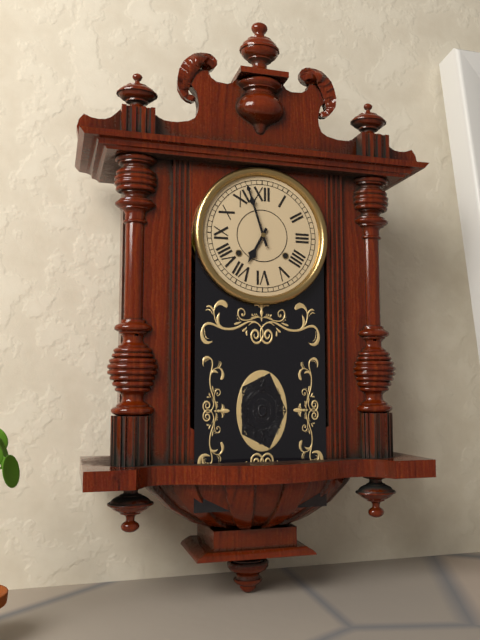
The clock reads **6:57**
